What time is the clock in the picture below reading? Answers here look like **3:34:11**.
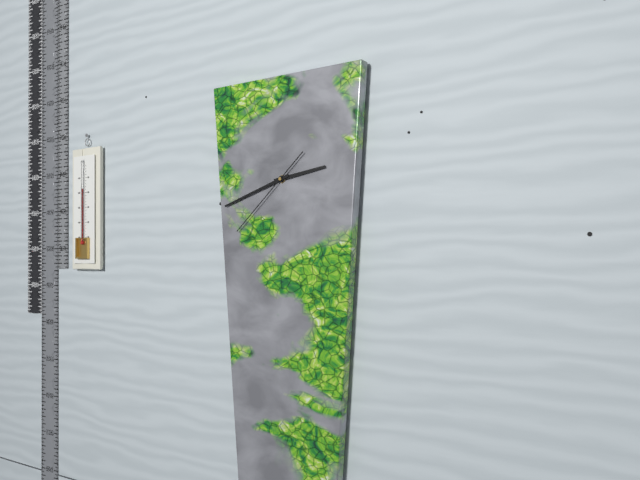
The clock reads **2:42:38**
